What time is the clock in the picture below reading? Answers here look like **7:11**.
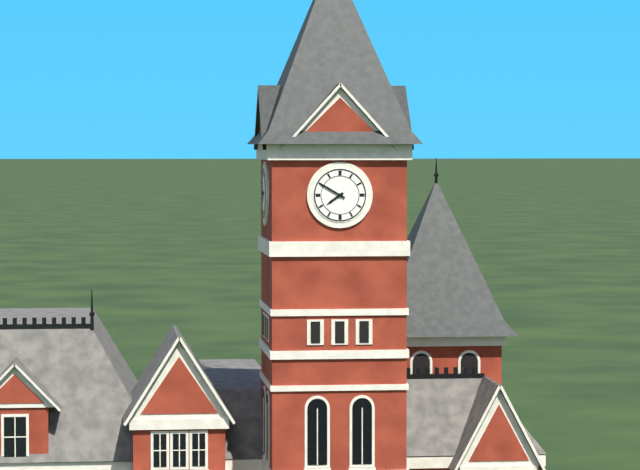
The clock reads **7:50**
